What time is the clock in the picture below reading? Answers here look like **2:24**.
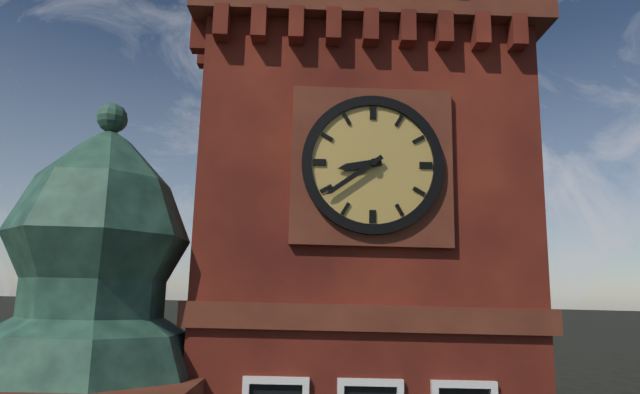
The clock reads **8:39**
